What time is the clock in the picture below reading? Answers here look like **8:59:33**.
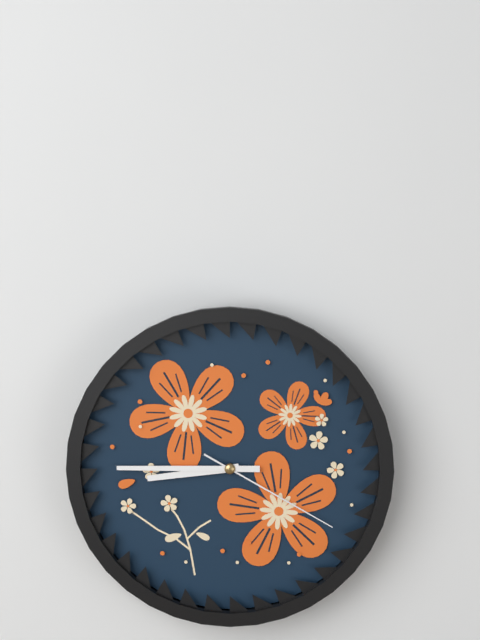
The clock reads **8:45:20**
